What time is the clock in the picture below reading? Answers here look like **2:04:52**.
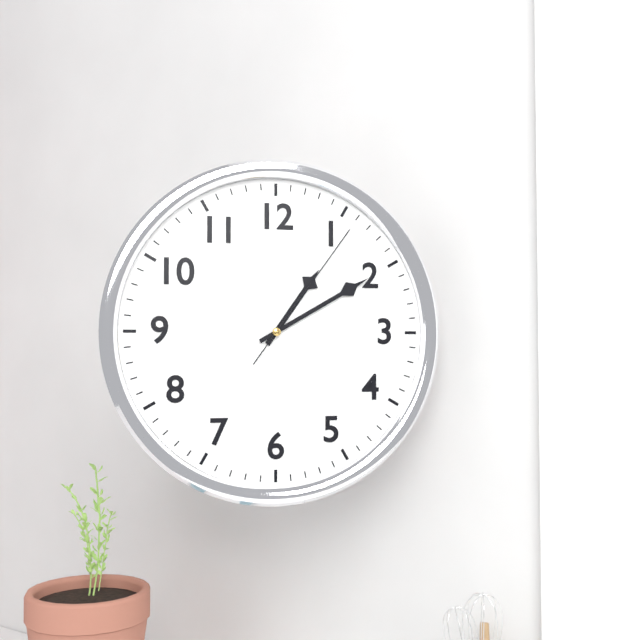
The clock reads **1:10:06**
